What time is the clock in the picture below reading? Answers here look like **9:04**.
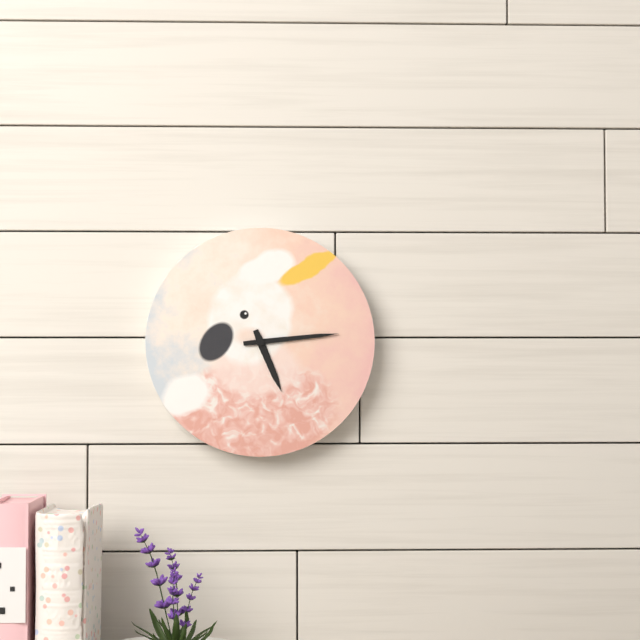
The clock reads **5:14**
